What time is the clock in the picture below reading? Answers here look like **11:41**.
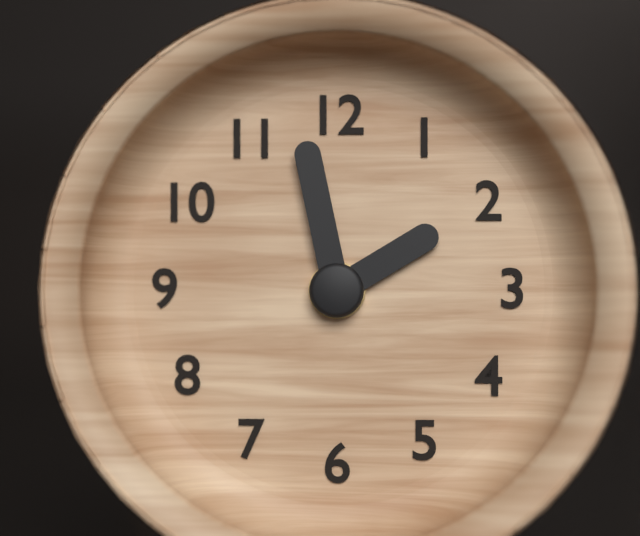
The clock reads **1:58**
